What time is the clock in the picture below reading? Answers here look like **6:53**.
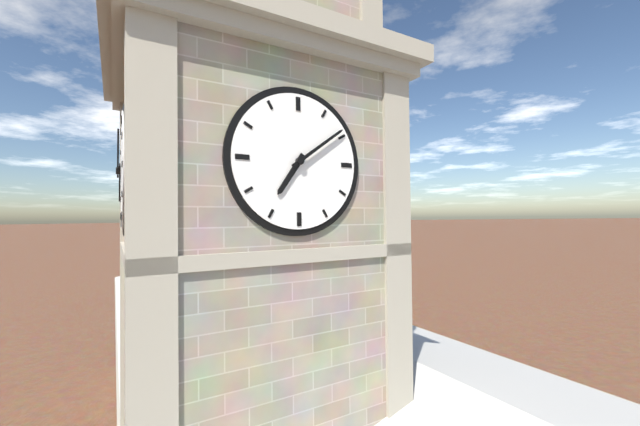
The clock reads **7:09**
